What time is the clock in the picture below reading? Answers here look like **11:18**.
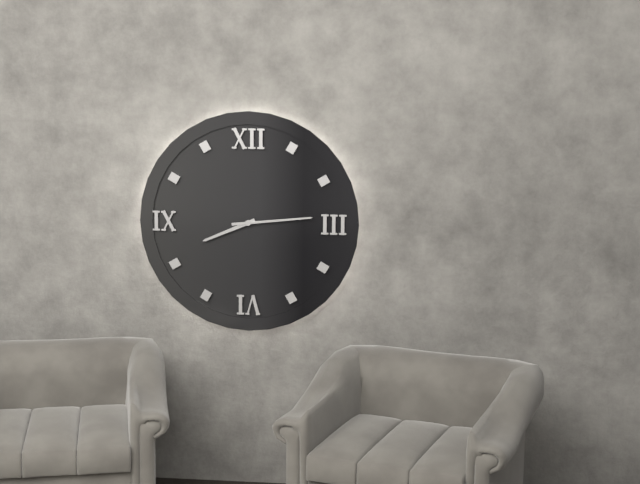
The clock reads **8:14**
